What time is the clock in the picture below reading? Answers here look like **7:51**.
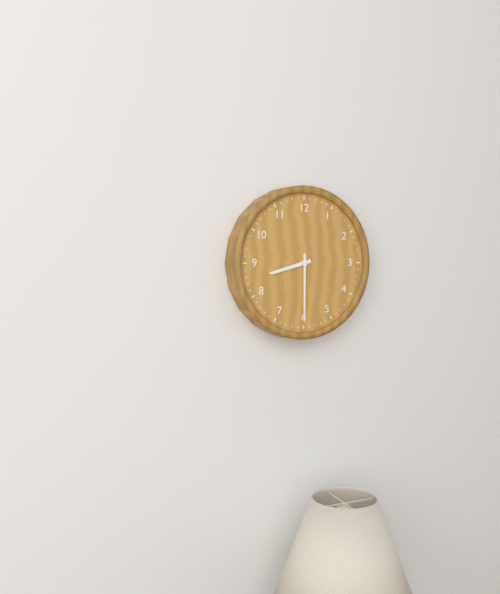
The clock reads **8:30**
